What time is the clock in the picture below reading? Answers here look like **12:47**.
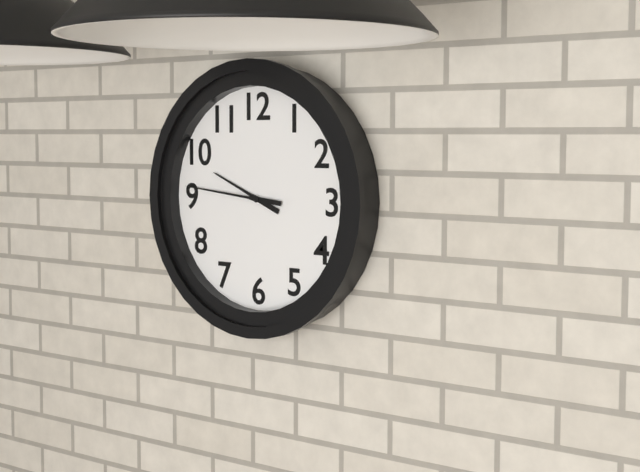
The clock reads **9:46**
